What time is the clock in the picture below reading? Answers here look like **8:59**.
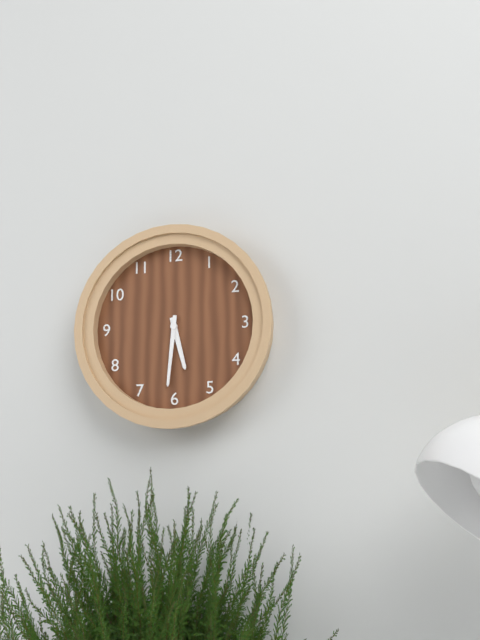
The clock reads **5:31**
